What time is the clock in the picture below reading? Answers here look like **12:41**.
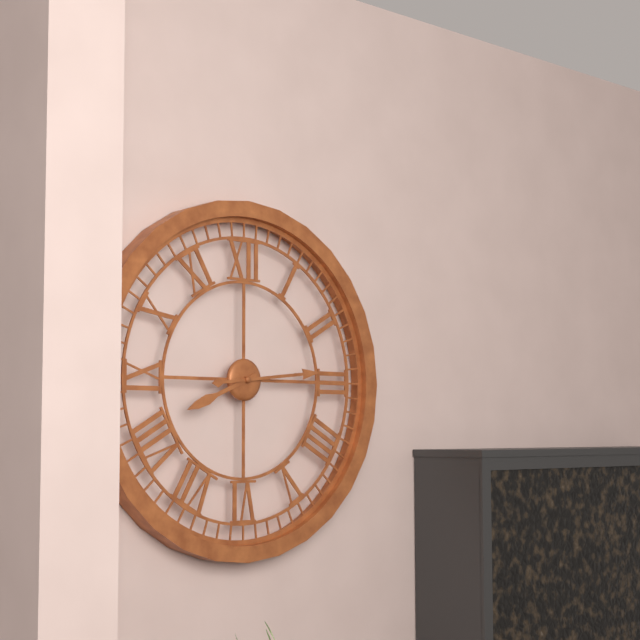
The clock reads **8:14**
